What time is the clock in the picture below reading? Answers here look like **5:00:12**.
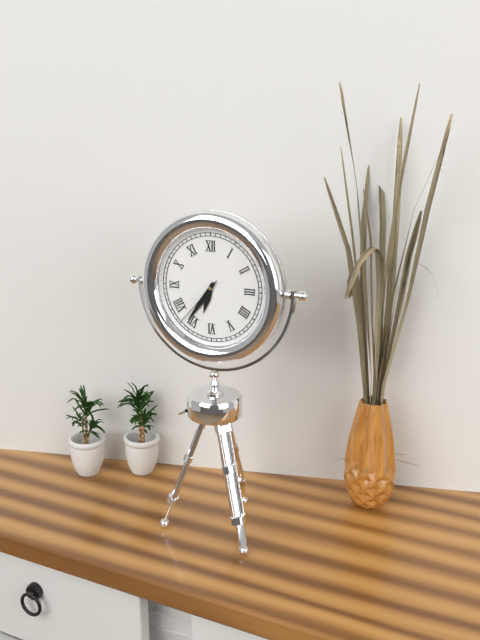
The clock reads **6:36:37**
